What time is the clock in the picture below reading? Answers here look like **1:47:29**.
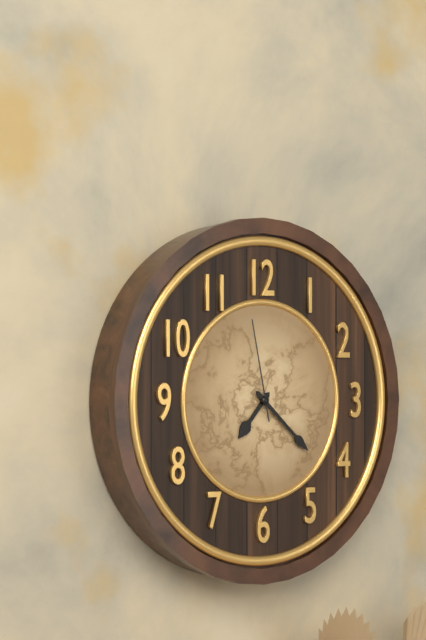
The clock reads **7:22:58**
